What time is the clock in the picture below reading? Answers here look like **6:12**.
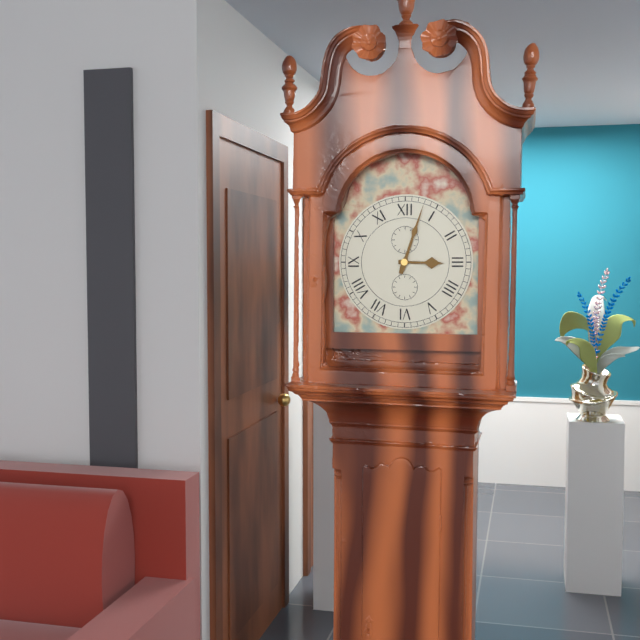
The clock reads **3:03**
